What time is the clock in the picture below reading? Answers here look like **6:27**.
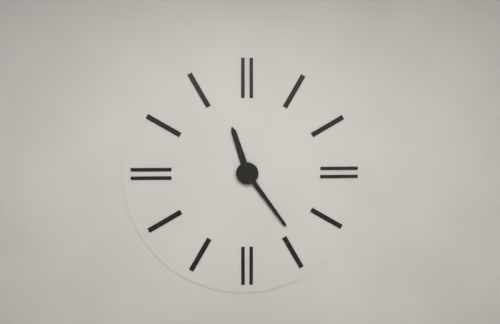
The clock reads **11:24**
